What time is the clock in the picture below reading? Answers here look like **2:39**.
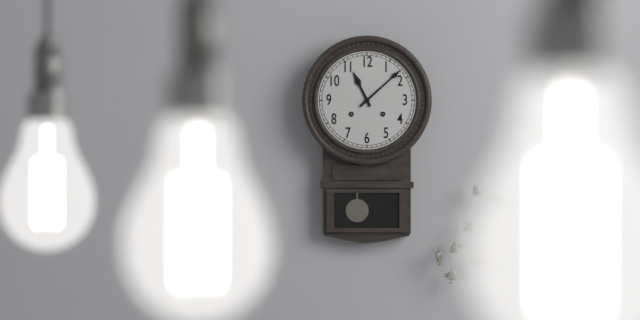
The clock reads **11:08**
